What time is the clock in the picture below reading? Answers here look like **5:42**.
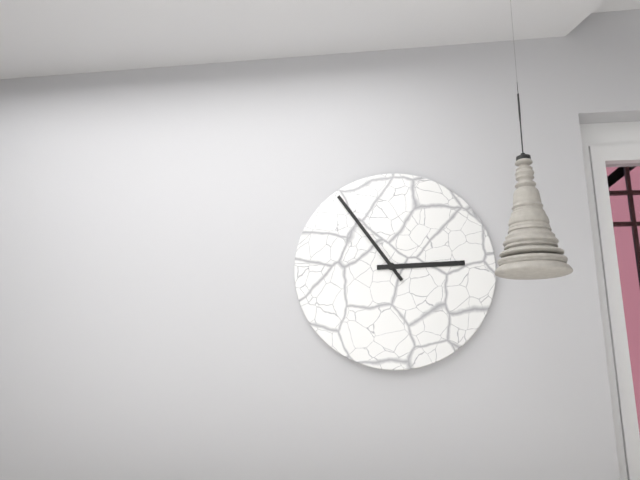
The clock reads **2:54**
